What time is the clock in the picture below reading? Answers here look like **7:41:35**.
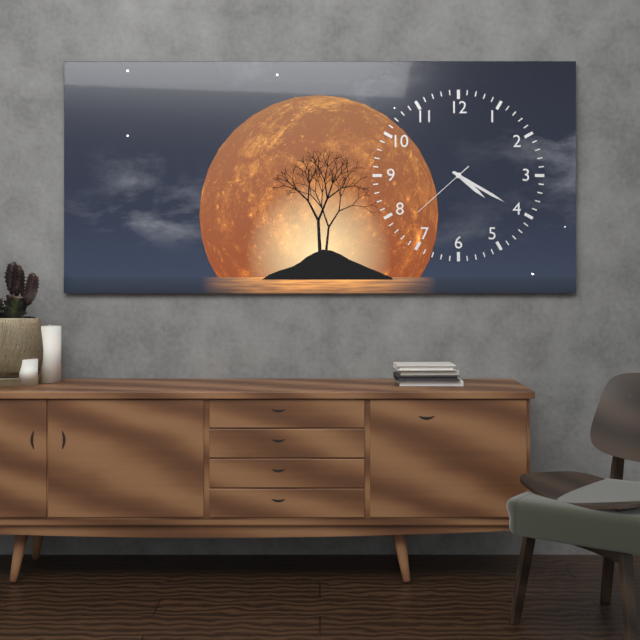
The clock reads **4:20:38**
